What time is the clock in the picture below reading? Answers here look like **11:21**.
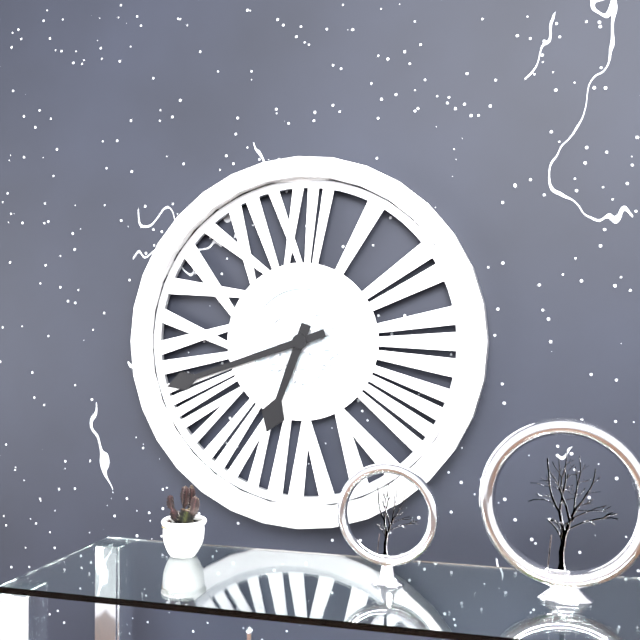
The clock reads **6:42**
